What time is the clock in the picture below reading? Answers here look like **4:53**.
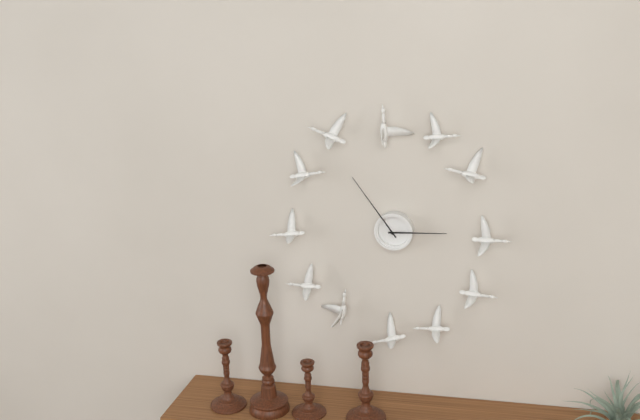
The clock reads **2:54**
